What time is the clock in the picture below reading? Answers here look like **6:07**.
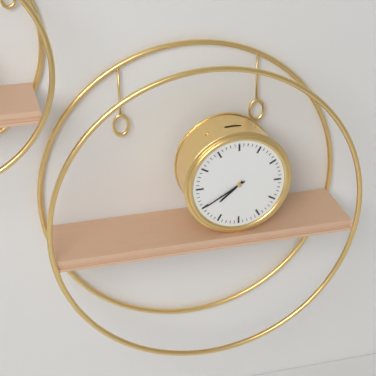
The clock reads **7:40**
